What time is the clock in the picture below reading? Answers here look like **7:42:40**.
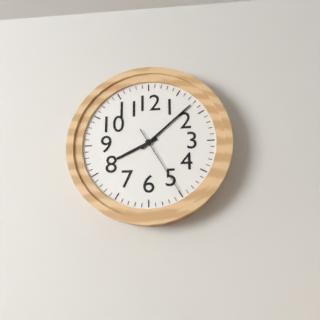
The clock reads **8:08:25**
